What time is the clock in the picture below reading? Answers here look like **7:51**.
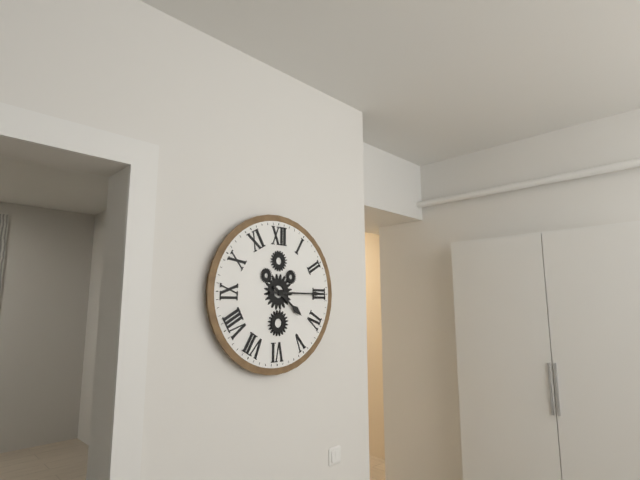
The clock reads **4:15**
